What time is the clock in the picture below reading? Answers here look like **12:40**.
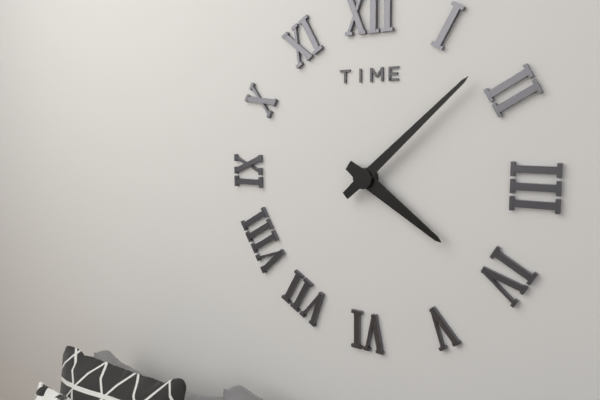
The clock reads **4:08**
